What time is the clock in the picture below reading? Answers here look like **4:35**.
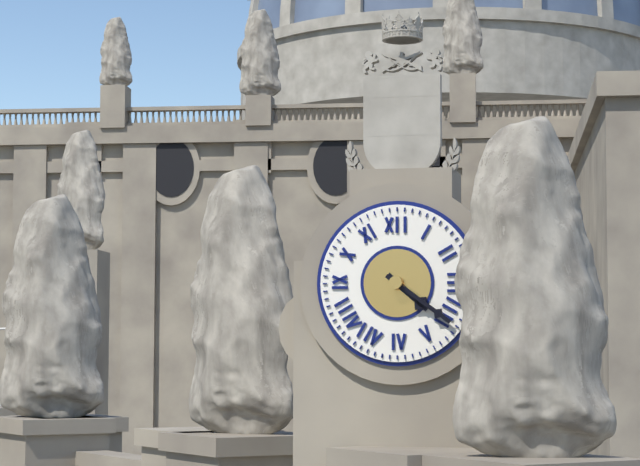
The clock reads **4:21**
